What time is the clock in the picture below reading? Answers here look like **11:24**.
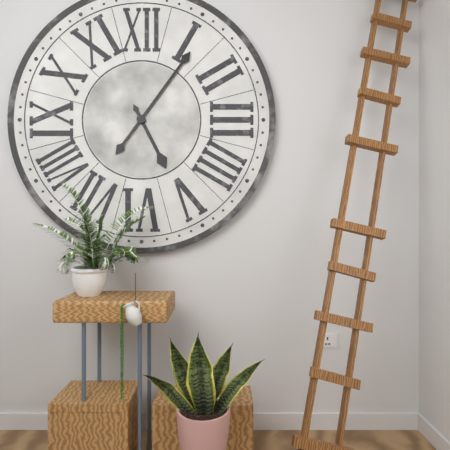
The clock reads **5:06**
